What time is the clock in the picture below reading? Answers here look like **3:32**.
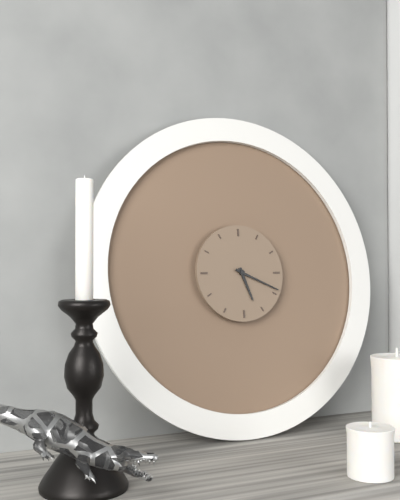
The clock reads **5:19**
